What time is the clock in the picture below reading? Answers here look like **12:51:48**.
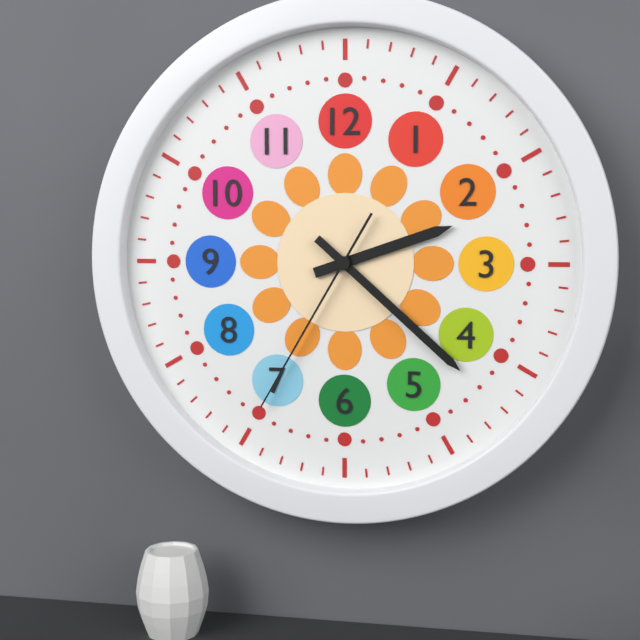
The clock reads **2:22:35**
